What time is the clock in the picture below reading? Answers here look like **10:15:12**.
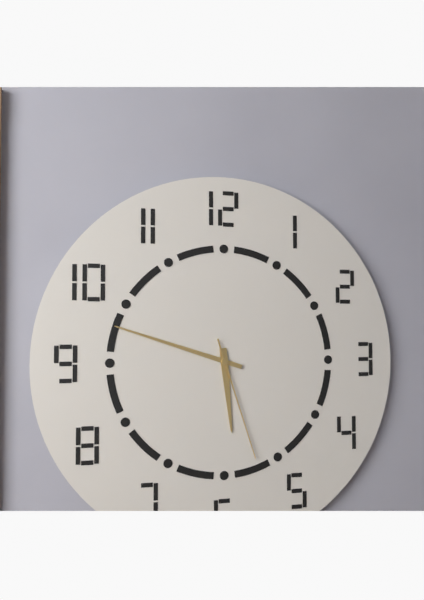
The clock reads **5:48:27**
